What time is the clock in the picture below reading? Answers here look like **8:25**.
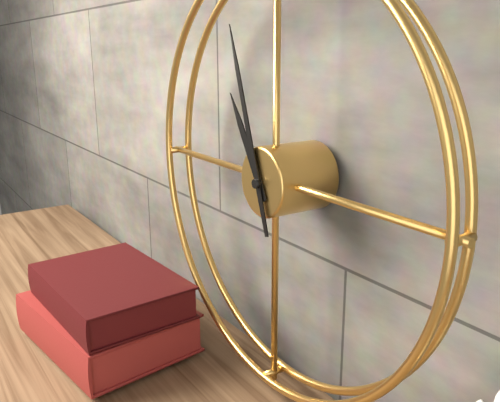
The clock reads **10:57**
